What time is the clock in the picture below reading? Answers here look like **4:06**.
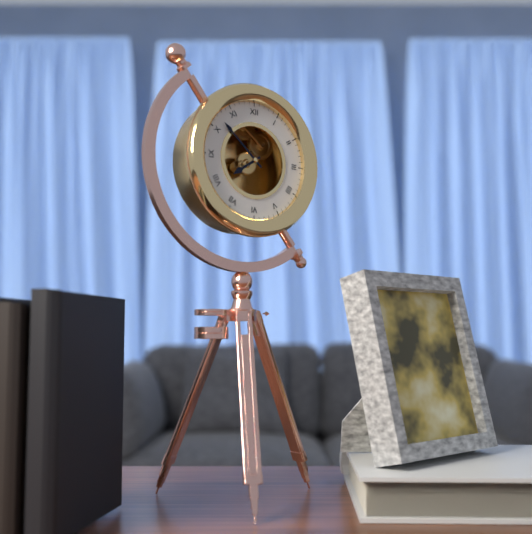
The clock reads **7:52**
